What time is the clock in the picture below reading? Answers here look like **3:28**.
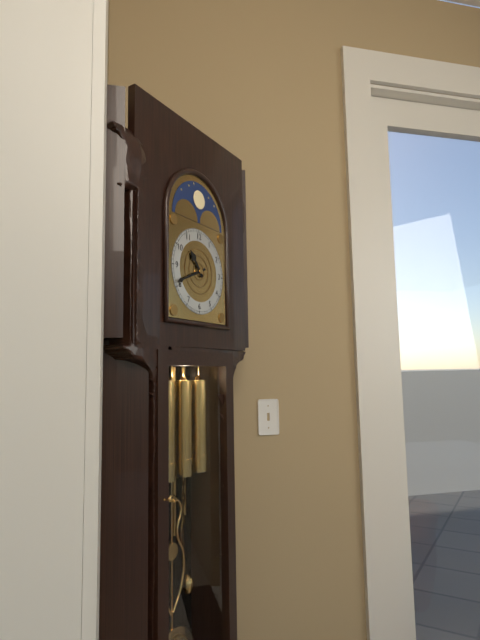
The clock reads **10:41**
